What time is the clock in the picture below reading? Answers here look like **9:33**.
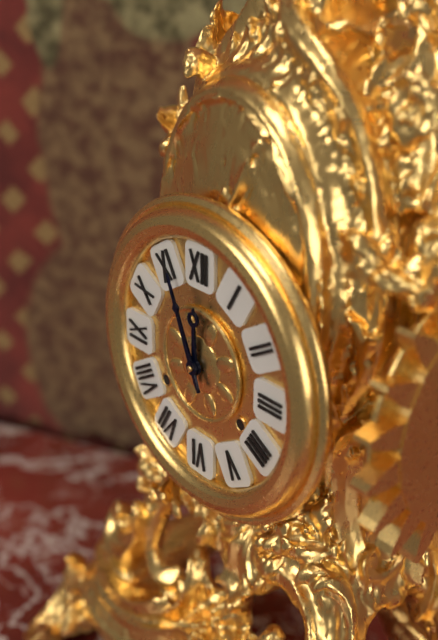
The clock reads **11:56**
